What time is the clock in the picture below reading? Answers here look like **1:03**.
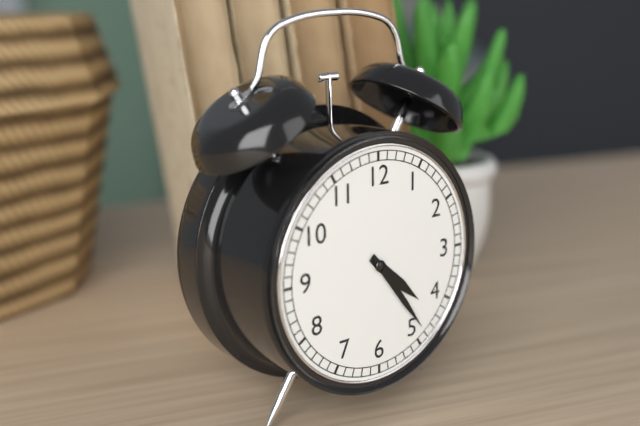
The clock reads **4:24**
